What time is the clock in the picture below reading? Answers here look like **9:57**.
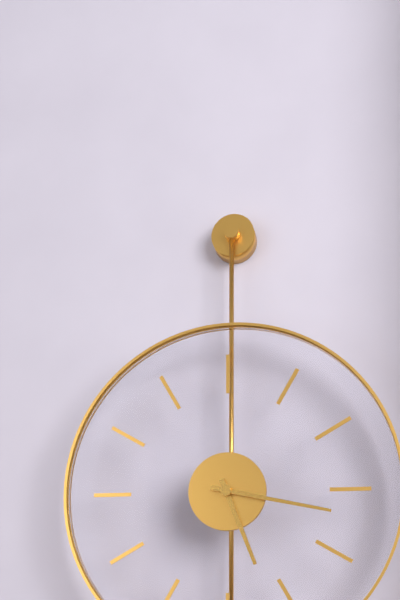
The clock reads **5:17**
